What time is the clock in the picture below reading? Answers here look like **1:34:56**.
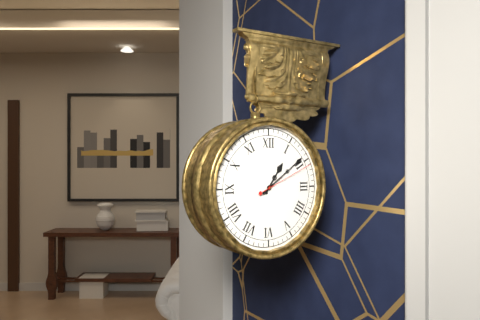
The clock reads **1:09:11**
